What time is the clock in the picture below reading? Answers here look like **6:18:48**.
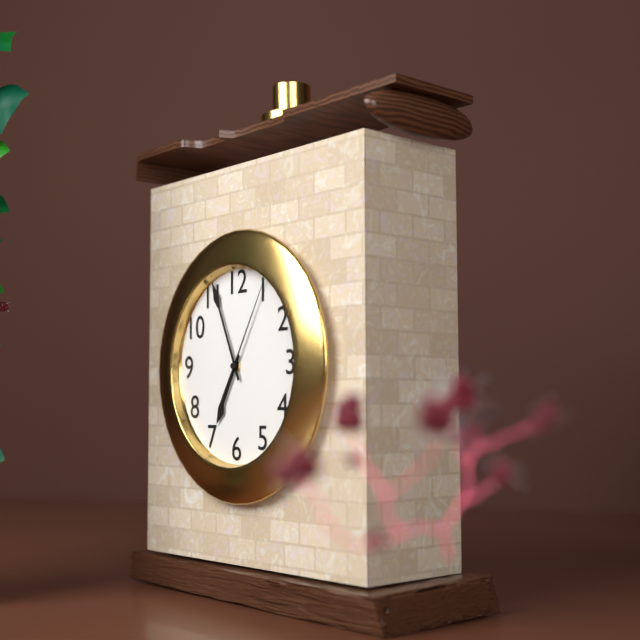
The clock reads **6:56:05**
